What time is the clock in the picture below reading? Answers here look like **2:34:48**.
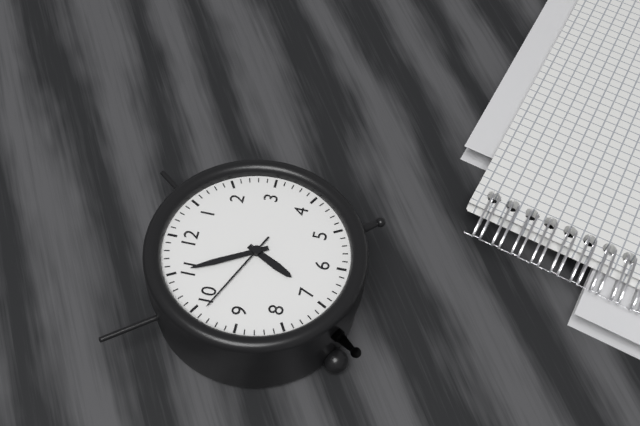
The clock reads **6:55:49**
